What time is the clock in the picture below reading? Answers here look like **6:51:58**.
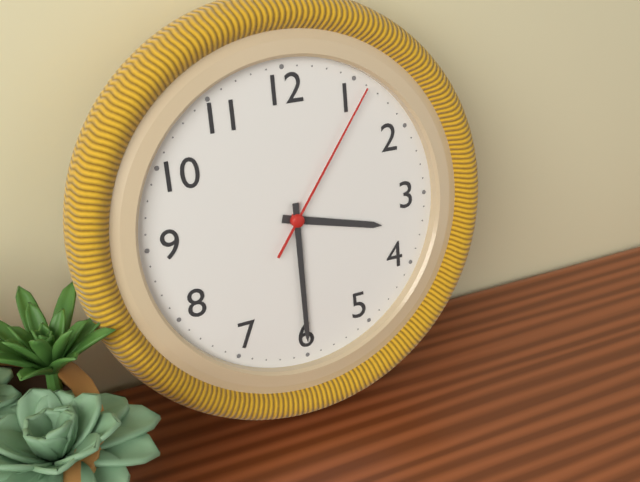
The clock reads **3:30:06**
